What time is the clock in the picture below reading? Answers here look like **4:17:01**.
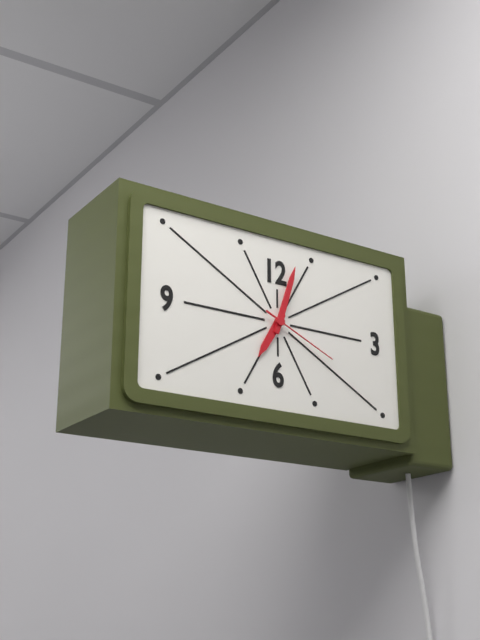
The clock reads **7:03:19**
